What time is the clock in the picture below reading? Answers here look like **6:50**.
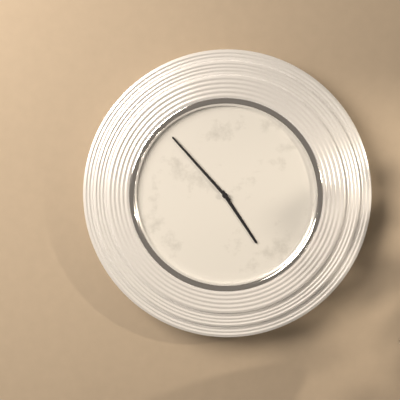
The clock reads **4:53**
